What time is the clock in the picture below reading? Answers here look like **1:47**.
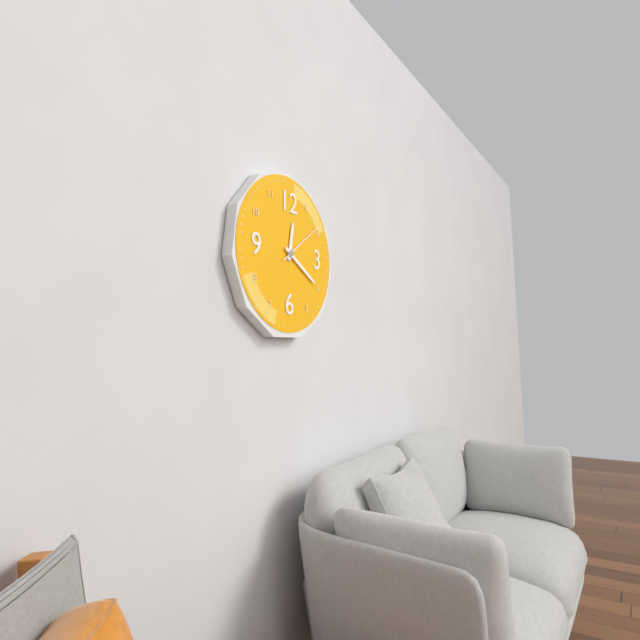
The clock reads **12:20**
